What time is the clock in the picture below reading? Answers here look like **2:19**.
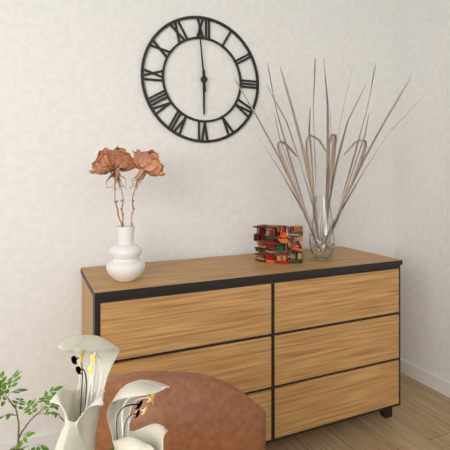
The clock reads **5:59**
